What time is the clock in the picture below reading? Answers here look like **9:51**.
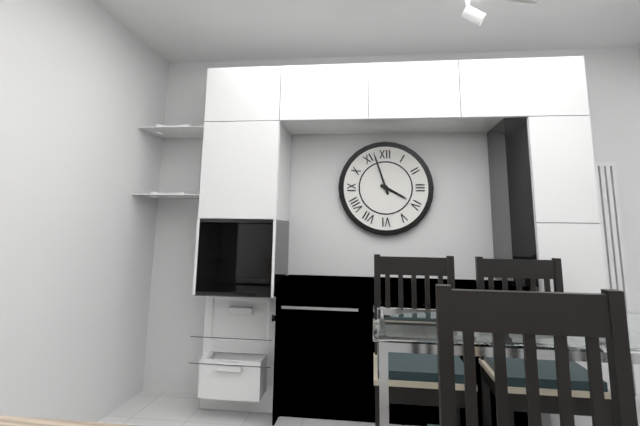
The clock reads **3:57**
